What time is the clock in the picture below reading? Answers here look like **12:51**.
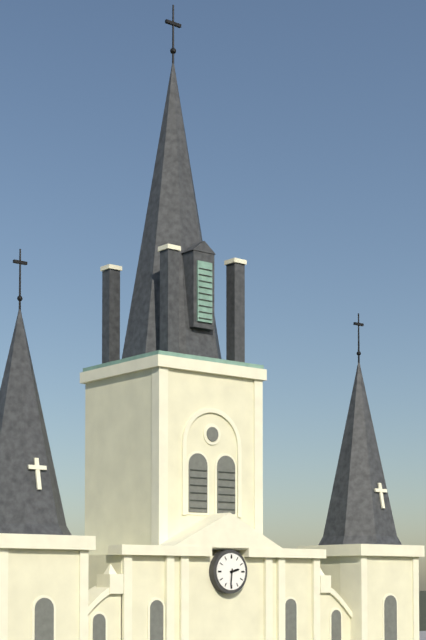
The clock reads **2:31**
